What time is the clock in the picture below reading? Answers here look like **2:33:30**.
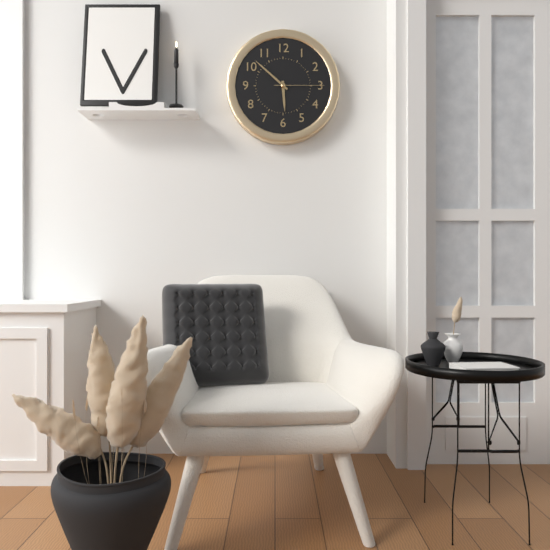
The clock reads **5:52:15**
